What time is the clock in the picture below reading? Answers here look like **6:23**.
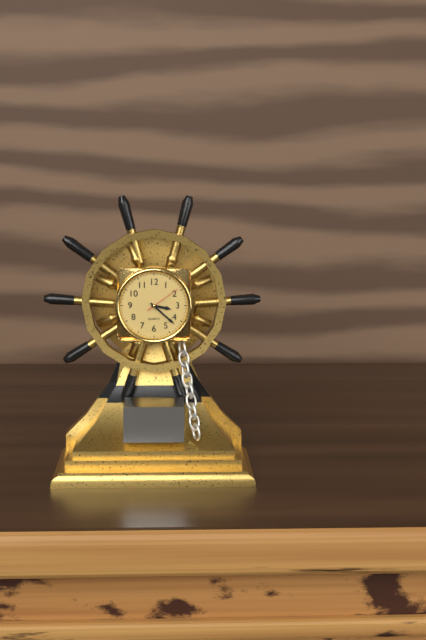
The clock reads **3:22**
